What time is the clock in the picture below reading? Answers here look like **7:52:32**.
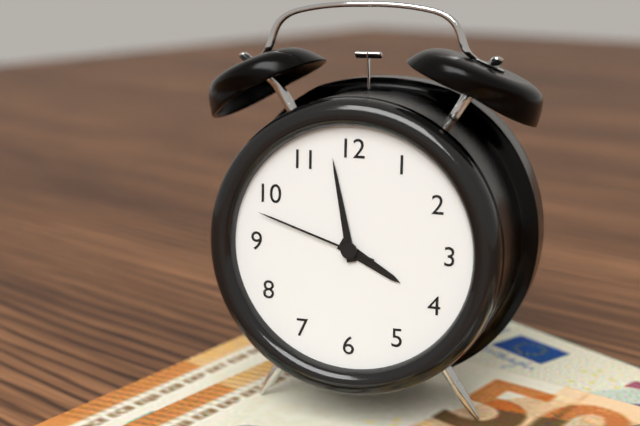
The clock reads **3:58:48**
